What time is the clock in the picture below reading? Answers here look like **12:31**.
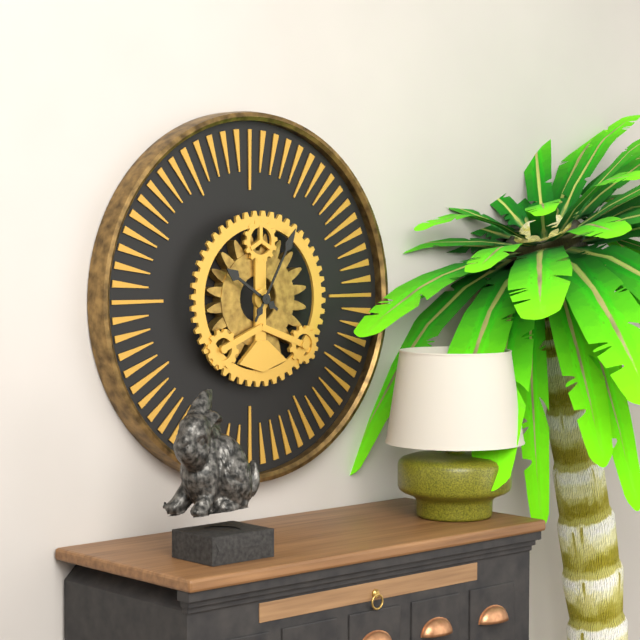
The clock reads **10:05**
